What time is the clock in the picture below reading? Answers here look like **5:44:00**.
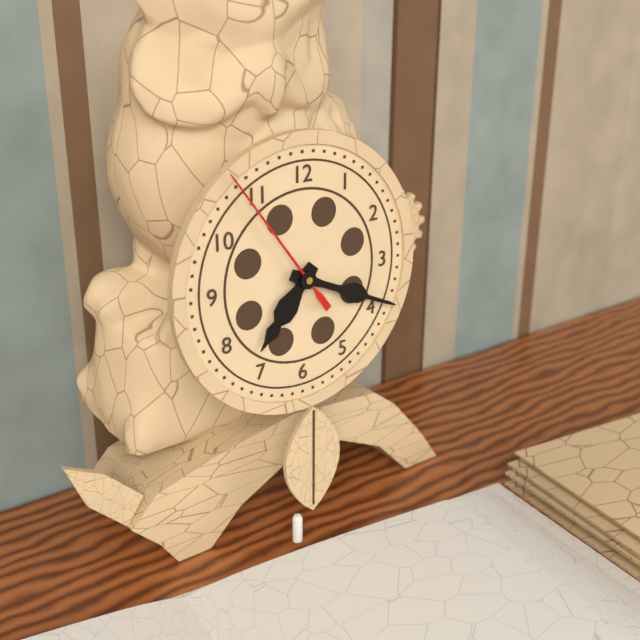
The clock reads **7:19:54**
